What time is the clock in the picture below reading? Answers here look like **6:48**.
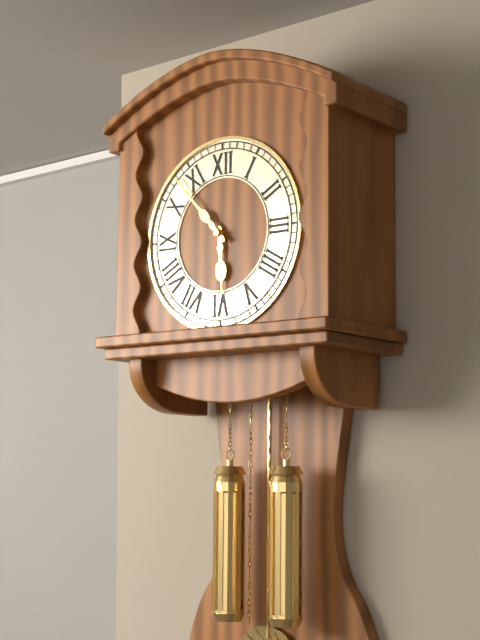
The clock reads **5:53**
